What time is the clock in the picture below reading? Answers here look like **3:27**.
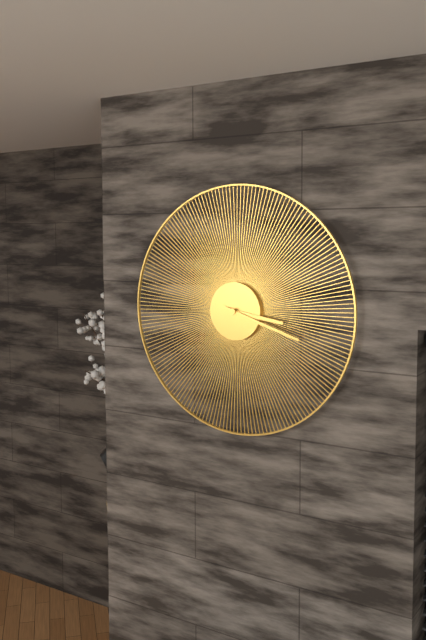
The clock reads **3:18**
